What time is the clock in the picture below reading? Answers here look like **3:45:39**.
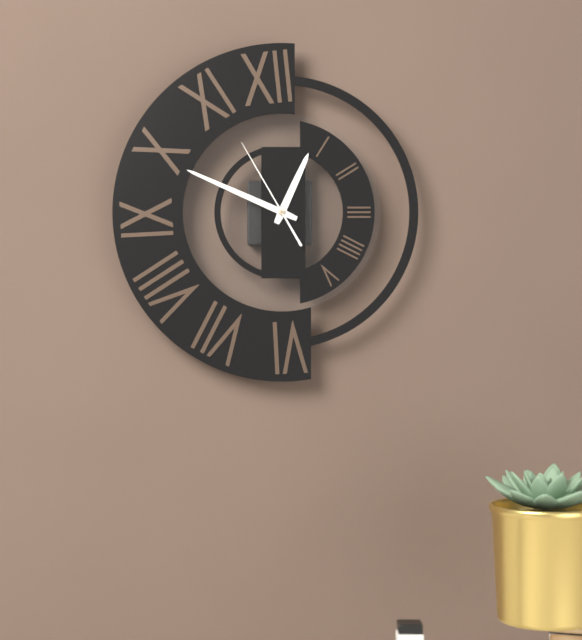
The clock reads **12:49:55**
